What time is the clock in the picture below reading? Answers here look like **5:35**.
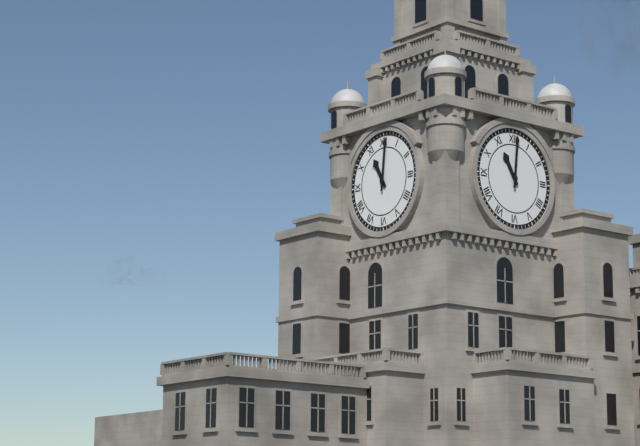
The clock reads **11:01**
